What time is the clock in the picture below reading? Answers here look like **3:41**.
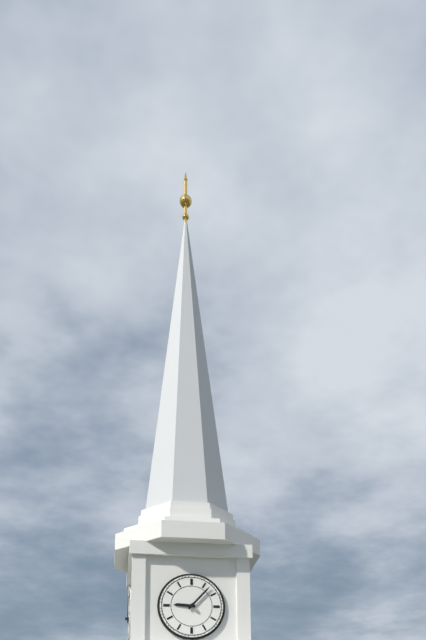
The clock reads **9:07**
